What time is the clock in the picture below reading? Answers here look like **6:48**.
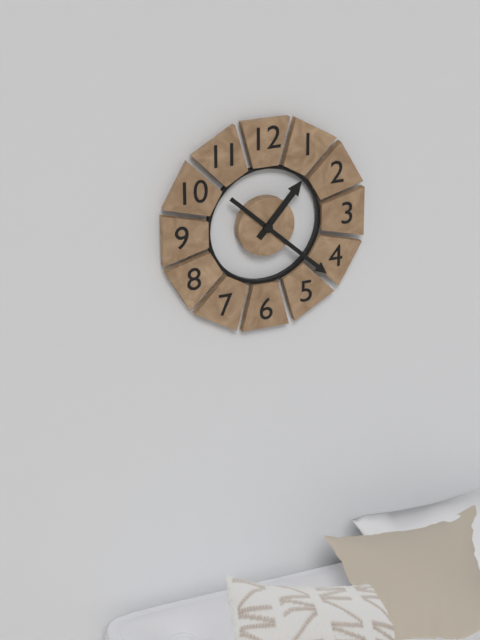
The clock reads **1:22**
